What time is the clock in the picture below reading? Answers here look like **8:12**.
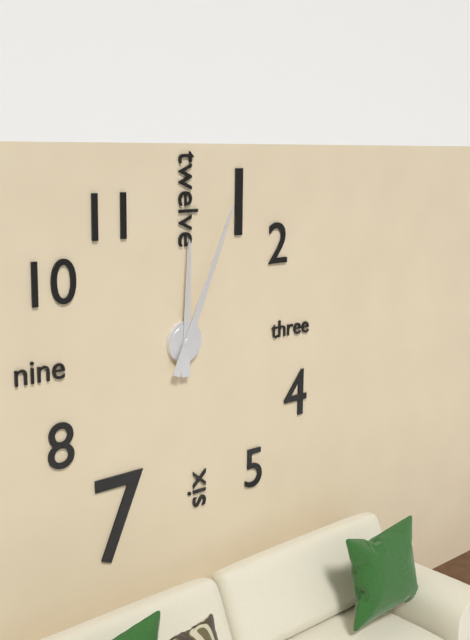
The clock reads **12:04**
